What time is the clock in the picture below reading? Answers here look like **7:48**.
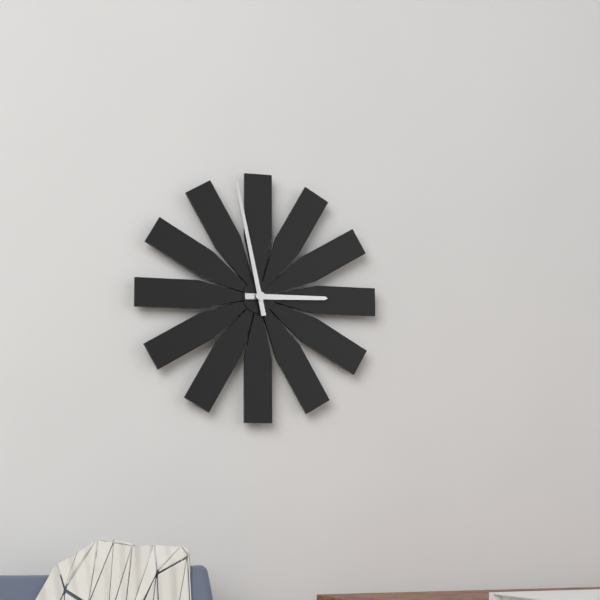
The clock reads **2:58**
